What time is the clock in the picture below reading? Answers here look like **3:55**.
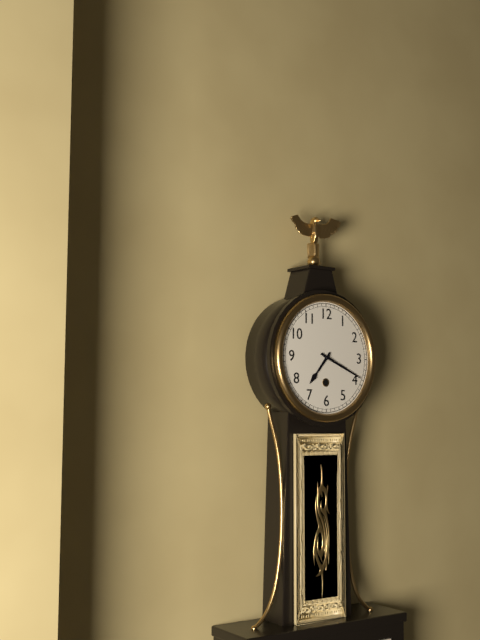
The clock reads **7:19**
